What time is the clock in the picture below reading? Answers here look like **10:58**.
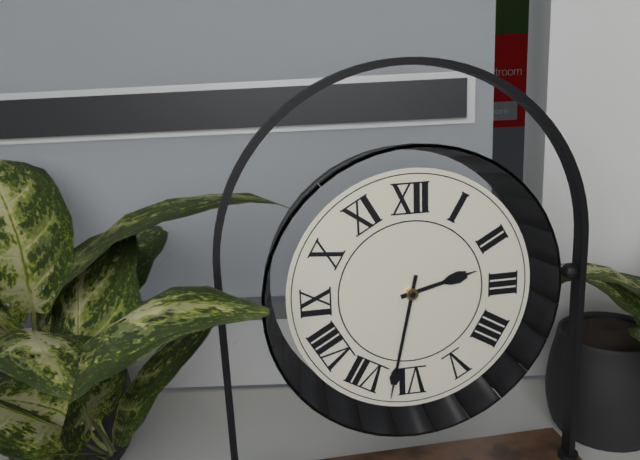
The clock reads **2:32**
